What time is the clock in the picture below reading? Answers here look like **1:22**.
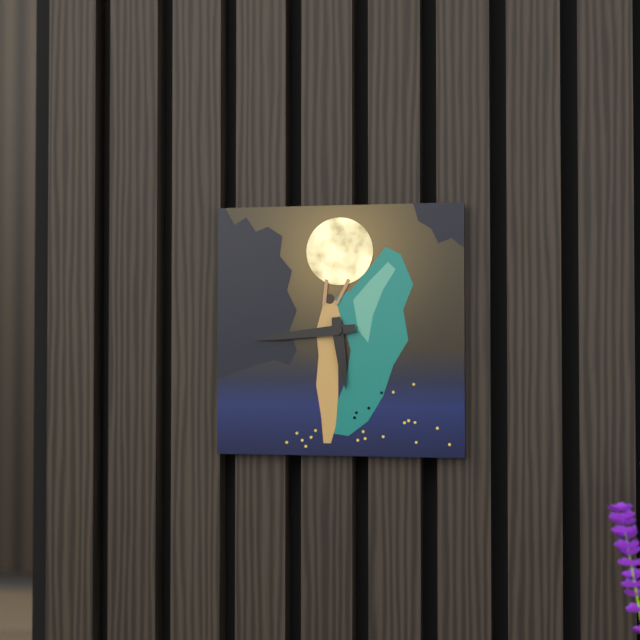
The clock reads **5:44**
